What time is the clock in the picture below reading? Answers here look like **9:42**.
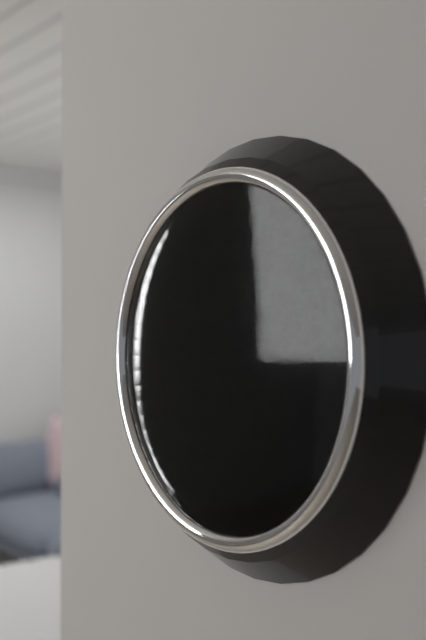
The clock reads **4:08**
